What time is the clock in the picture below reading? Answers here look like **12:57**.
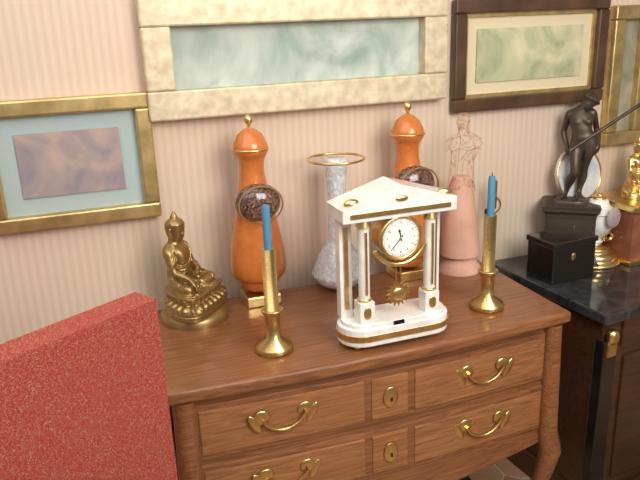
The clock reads **11:37**
